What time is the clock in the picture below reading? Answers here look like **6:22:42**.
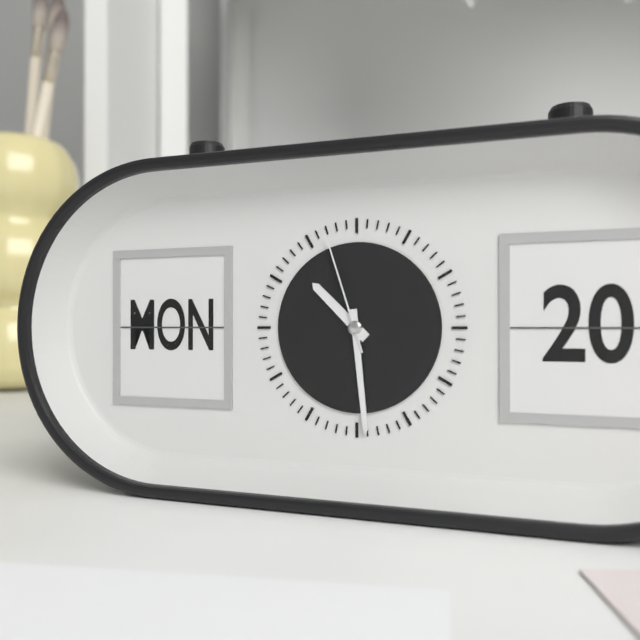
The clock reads **10:29:57**
